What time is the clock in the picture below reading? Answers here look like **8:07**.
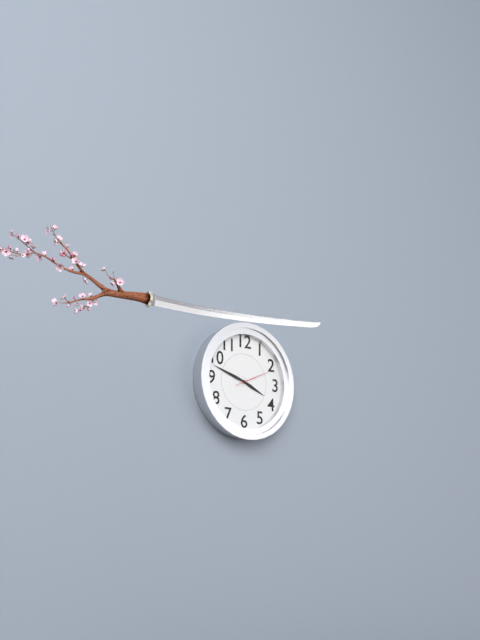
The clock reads **3:48**
